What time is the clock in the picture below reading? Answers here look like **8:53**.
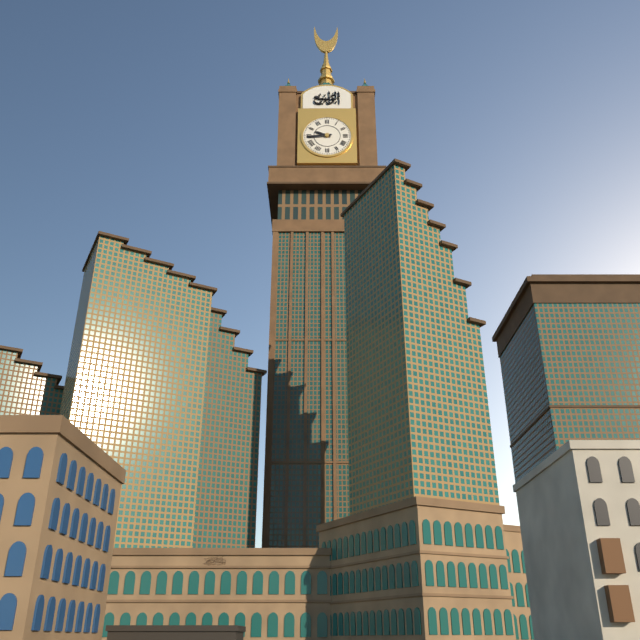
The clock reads **9:44**
